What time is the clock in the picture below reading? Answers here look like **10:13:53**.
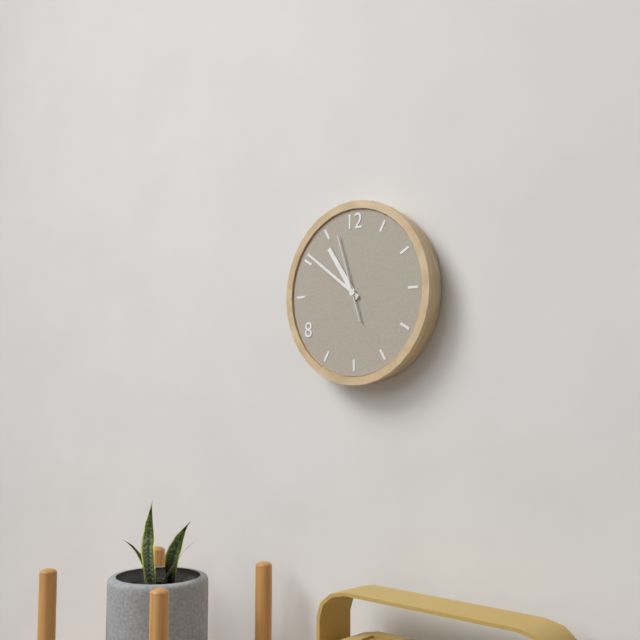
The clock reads **10:51:57**
